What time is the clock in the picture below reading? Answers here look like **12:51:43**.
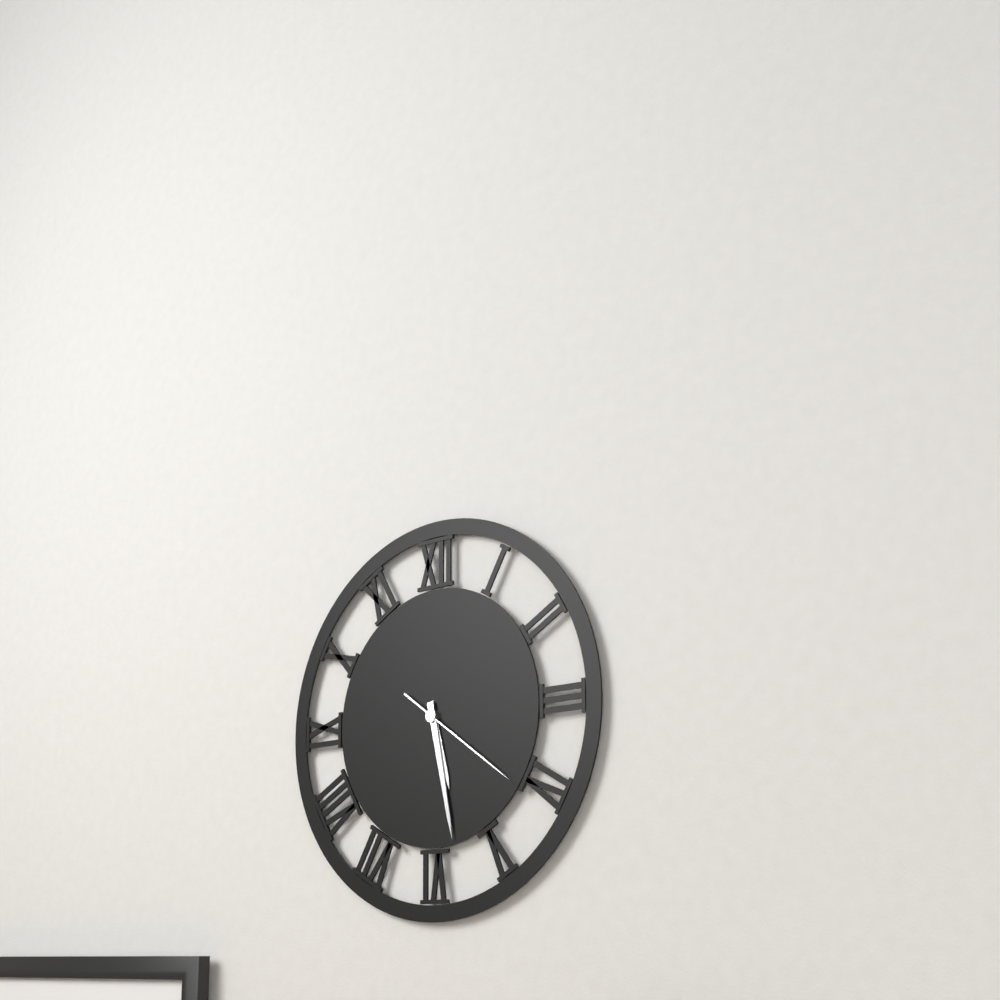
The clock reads **5:28:21**
